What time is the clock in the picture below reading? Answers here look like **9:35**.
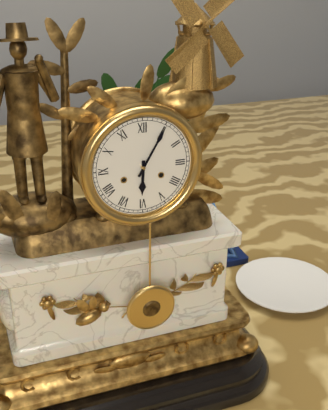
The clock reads **6:05**
